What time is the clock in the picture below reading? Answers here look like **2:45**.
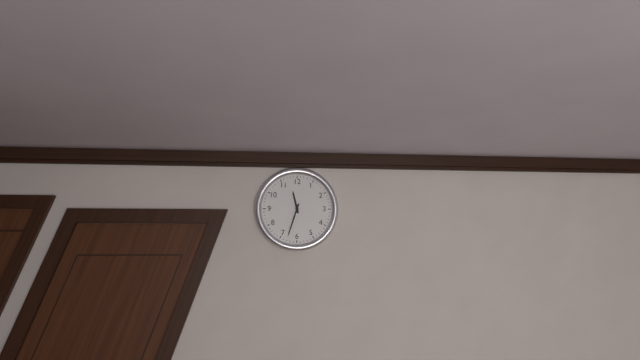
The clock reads **11:33**
